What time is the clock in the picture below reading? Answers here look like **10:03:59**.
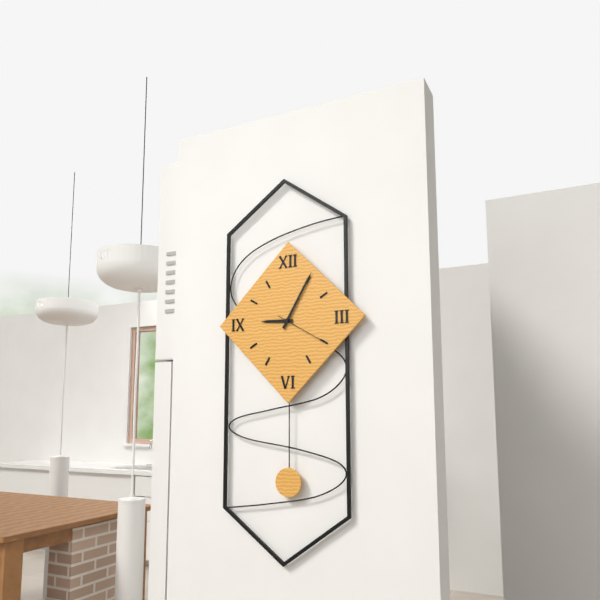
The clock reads **9:05:20**
